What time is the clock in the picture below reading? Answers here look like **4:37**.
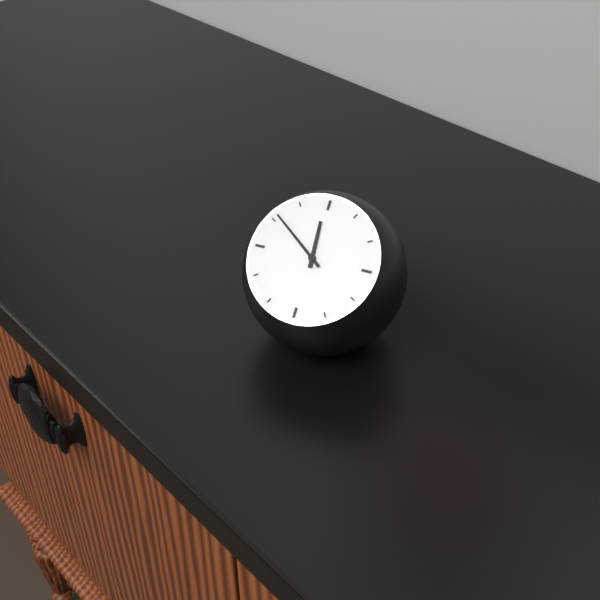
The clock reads **11:51**
